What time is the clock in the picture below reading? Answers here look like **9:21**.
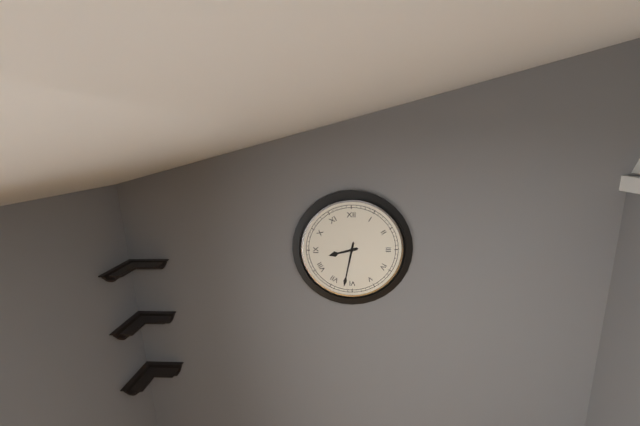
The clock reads **8:32**
